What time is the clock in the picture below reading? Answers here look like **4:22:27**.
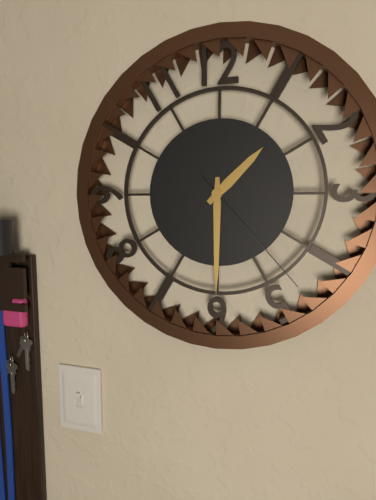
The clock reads **1:30:23**
